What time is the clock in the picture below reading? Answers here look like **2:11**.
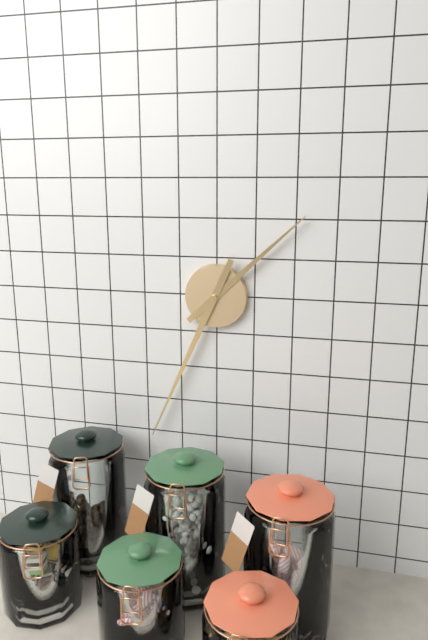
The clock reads **1:34**
